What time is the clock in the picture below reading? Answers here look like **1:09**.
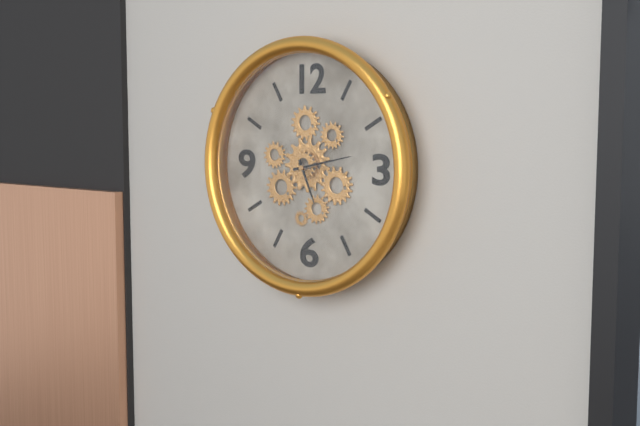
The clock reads **5:13**
